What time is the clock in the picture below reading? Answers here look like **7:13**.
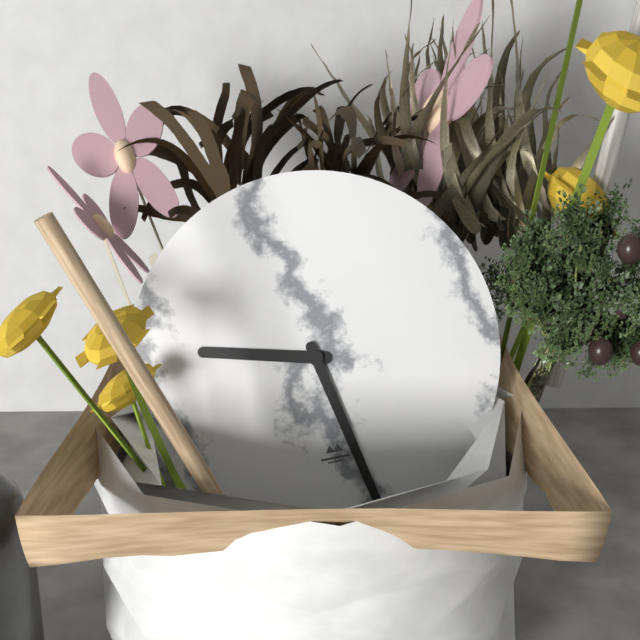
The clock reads **9:28**
